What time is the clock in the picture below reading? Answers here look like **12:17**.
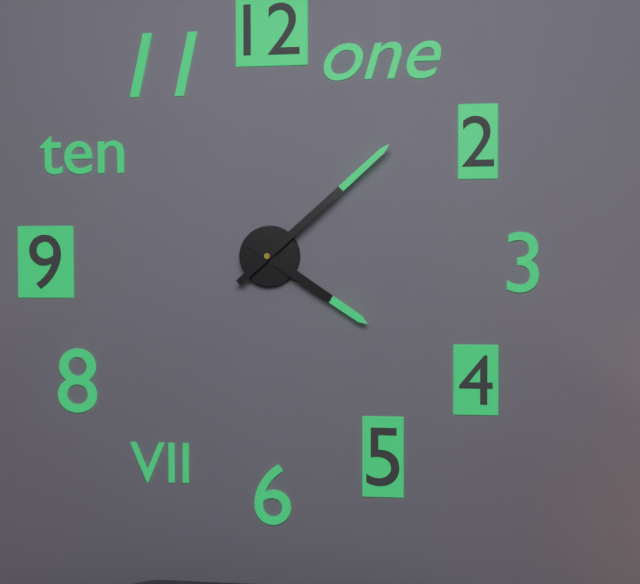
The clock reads **4:08**
